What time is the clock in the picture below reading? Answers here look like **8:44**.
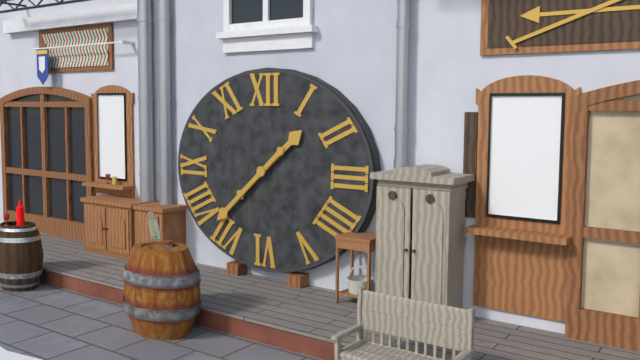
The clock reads **1:38**
